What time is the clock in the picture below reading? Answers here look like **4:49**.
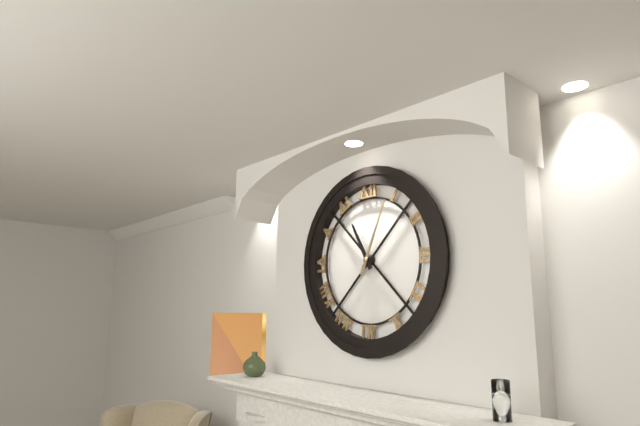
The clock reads **11:04**
